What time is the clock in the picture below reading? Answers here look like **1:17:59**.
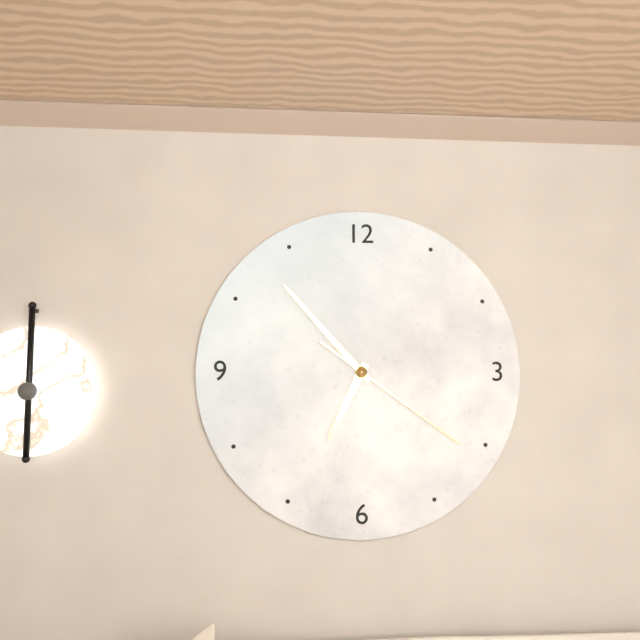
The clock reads **6:53:21**
